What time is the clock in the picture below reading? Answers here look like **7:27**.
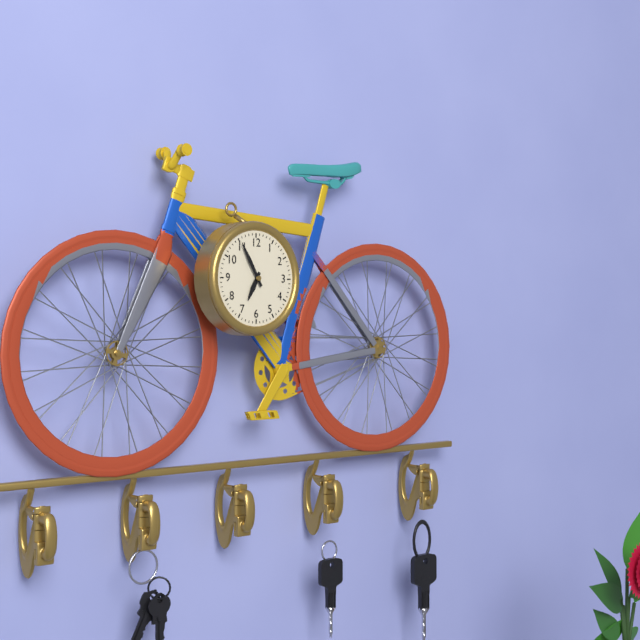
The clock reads **6:55**
